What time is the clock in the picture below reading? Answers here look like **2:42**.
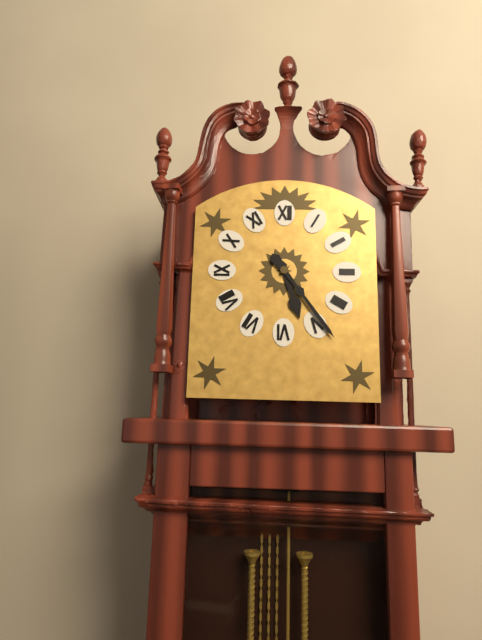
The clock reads **5:24**
